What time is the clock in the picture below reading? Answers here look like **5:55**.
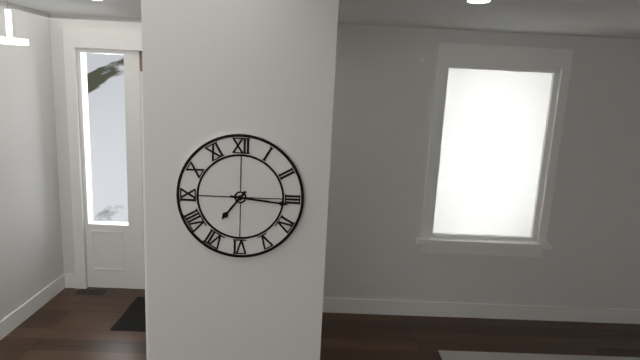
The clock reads **7:16**
